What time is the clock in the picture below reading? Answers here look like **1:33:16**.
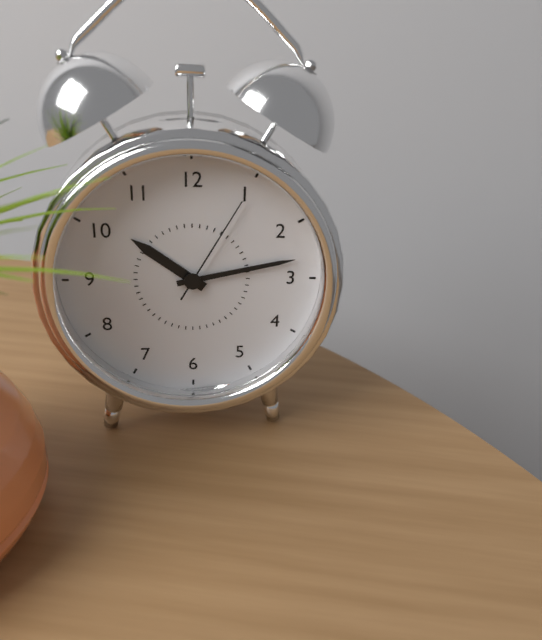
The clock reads **10:13:05**
